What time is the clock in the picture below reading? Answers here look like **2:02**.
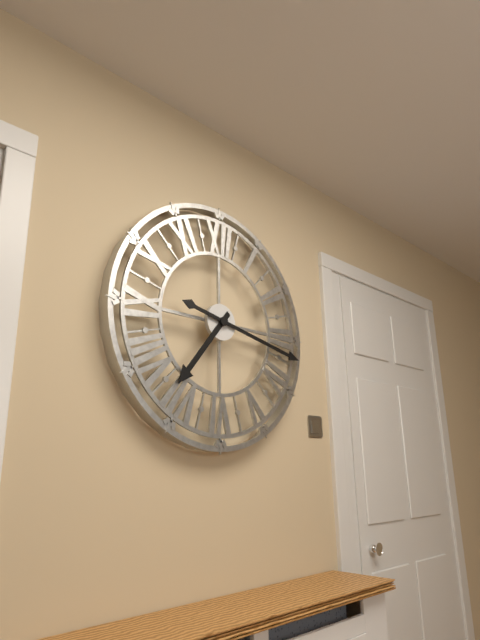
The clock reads **7:17**
